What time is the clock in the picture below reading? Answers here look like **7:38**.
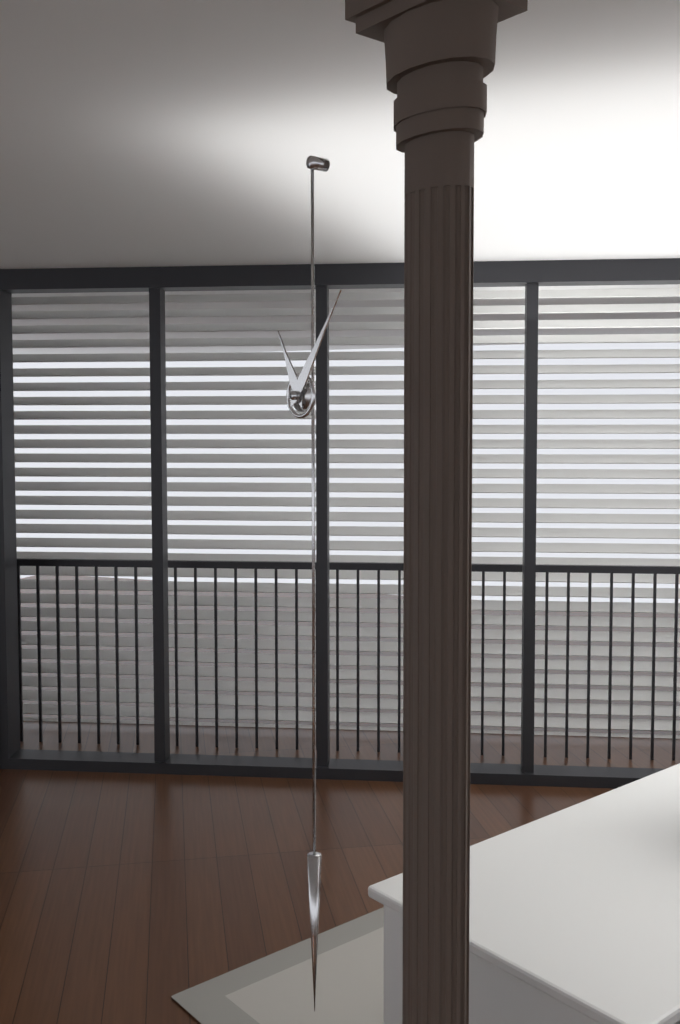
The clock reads **11:06**
